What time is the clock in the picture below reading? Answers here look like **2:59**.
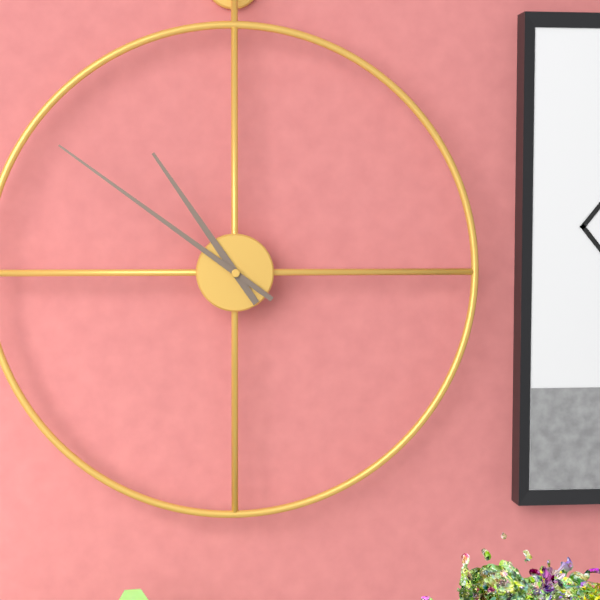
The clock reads **10:51**
